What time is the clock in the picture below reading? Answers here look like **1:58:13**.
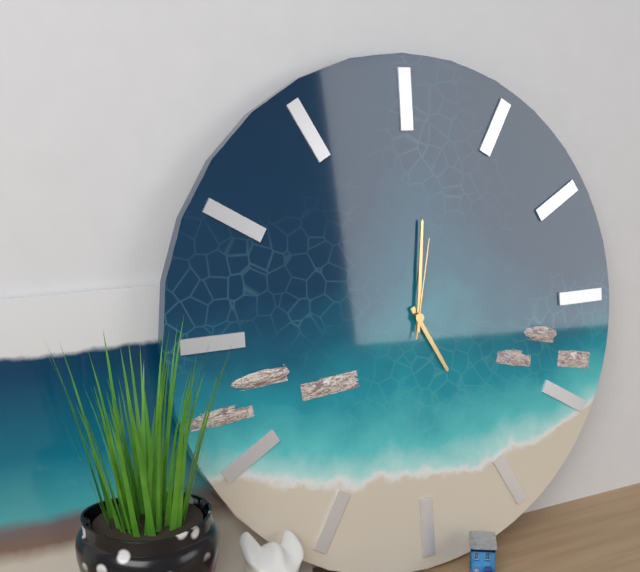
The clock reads **5:01:02**
